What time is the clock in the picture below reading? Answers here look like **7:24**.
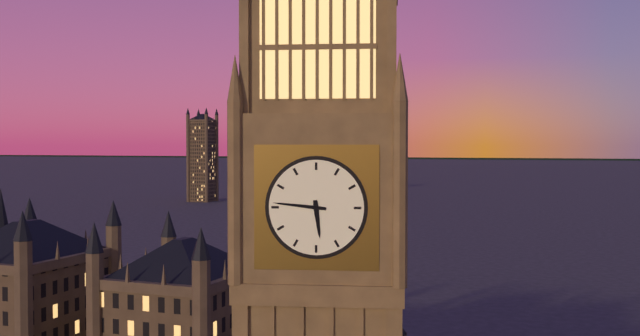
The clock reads **5:46**
